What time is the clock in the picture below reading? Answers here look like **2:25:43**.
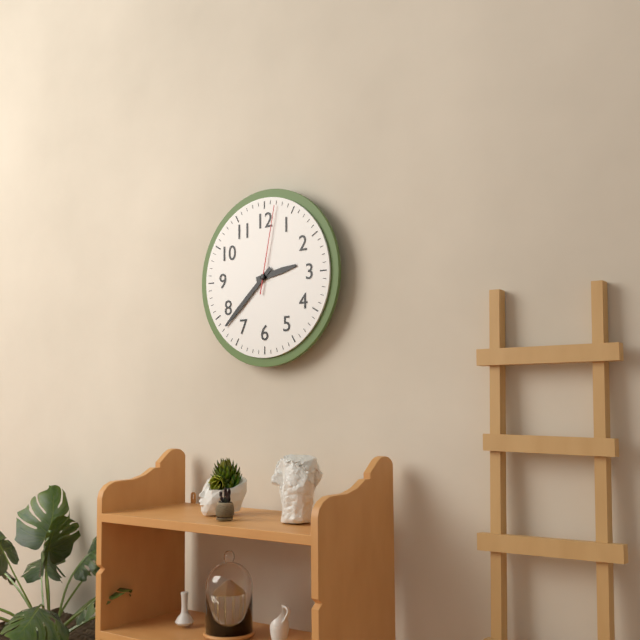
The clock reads **2:38:02**
